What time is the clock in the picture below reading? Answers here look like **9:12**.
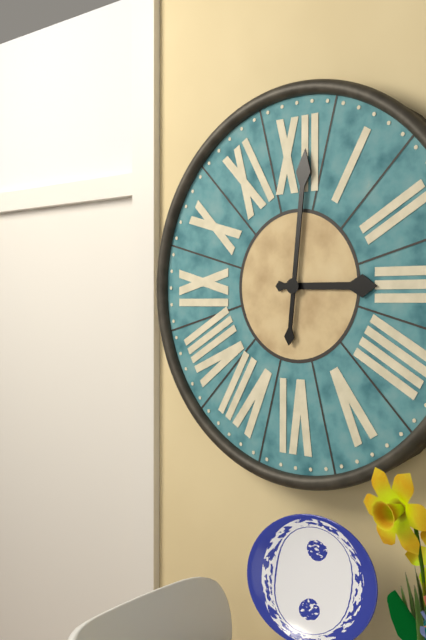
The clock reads **3:01**
